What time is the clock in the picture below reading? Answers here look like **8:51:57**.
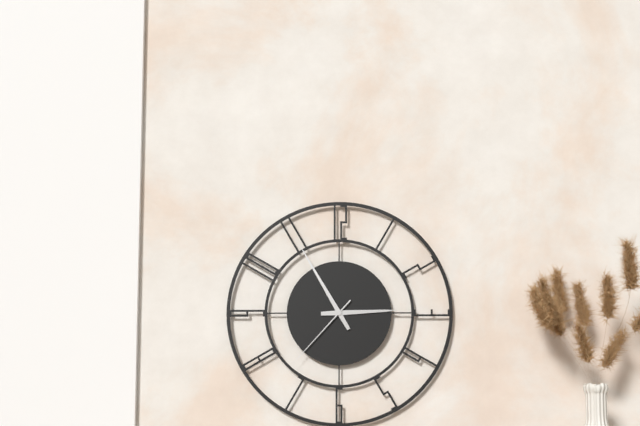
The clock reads **2:55:37**
